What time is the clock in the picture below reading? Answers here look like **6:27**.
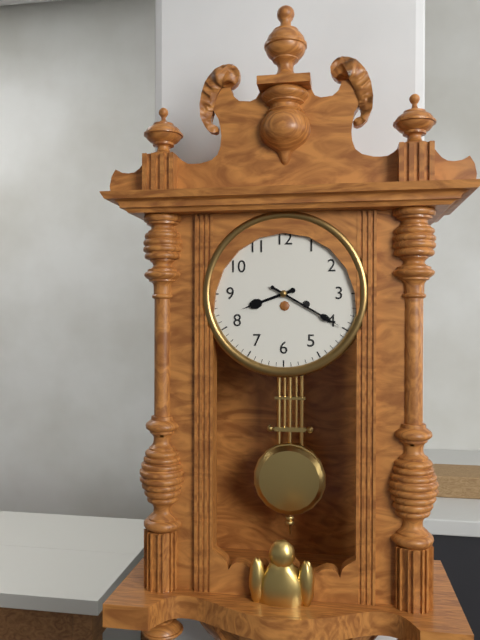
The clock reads **8:20**
